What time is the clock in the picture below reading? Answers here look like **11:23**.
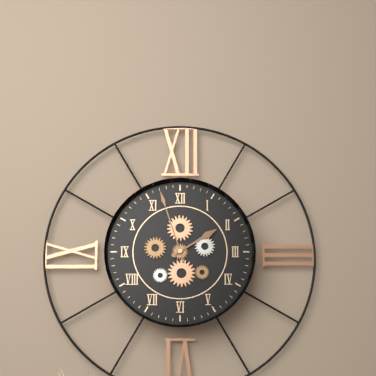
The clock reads **1:57**
